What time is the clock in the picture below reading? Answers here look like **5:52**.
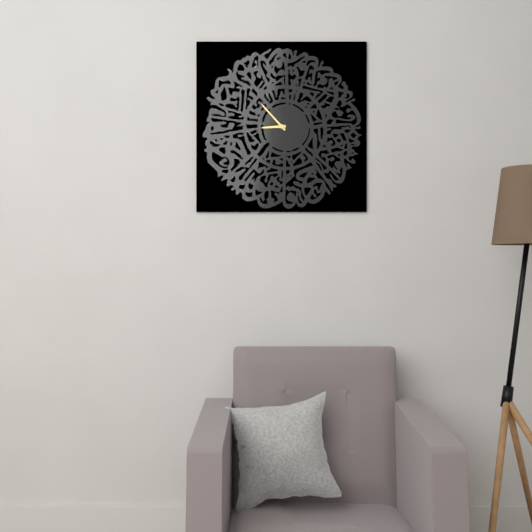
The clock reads **8:53**
